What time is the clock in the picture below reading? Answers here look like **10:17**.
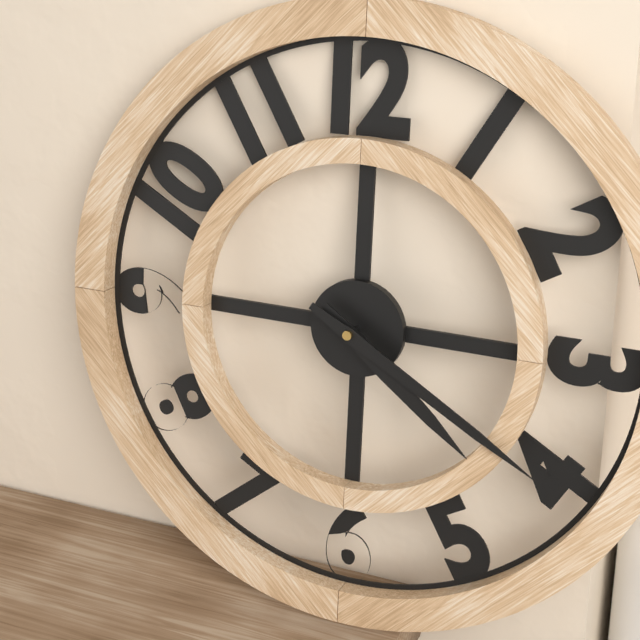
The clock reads **4:20**
